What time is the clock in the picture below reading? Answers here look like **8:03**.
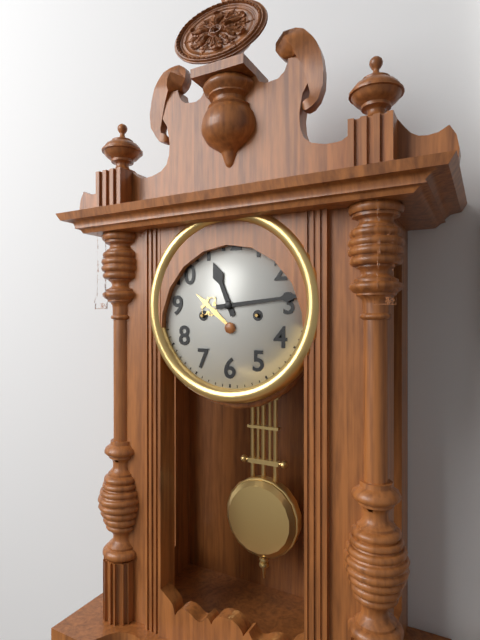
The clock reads **11:14**
